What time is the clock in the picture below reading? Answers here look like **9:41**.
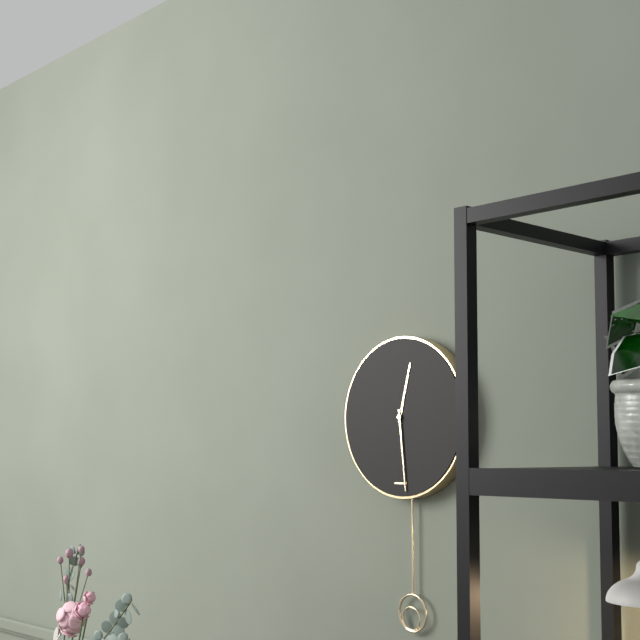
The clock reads **12:29**
